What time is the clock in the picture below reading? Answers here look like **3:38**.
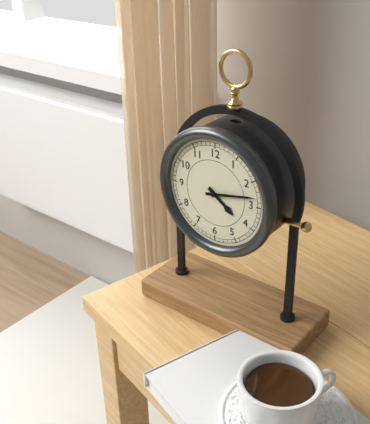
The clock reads **4:13**
